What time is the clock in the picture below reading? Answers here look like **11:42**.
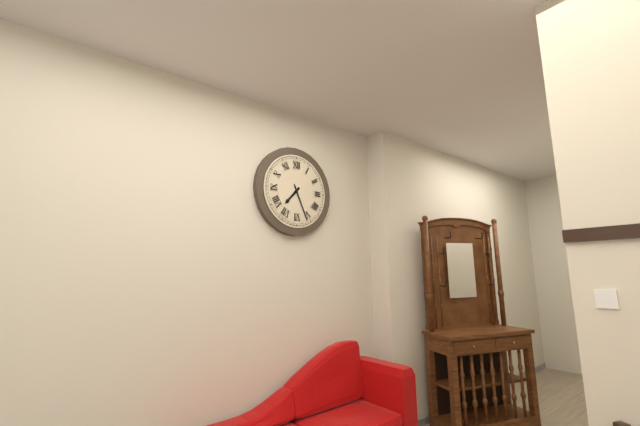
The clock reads **7:26**
